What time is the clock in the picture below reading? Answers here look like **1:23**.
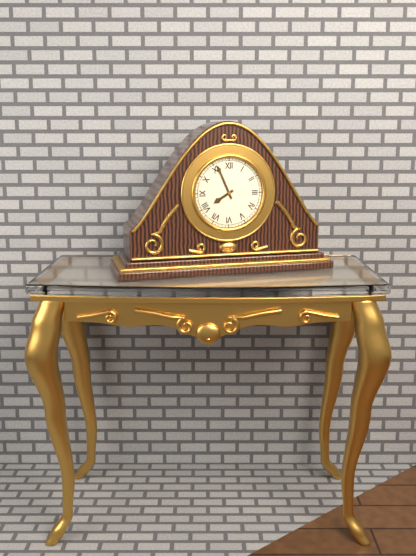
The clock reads **7:56**
